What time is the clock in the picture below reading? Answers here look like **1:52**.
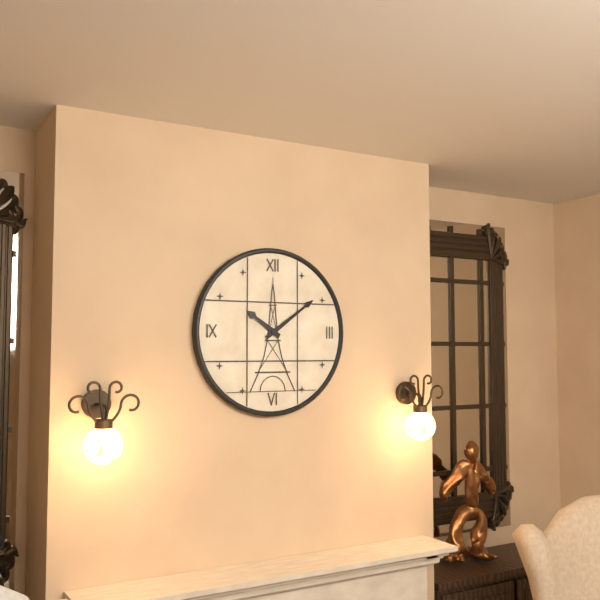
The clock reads **10:09**
